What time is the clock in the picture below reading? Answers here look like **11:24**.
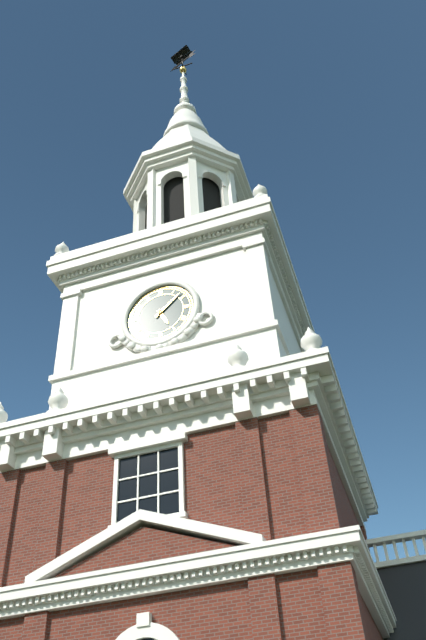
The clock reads **5:08**
